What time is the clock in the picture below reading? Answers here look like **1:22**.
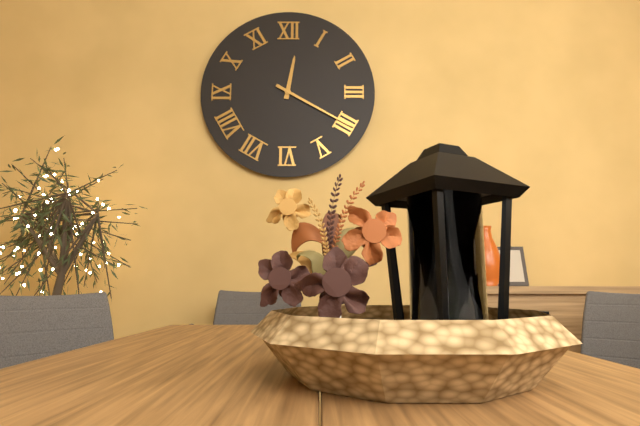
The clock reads **12:20**
